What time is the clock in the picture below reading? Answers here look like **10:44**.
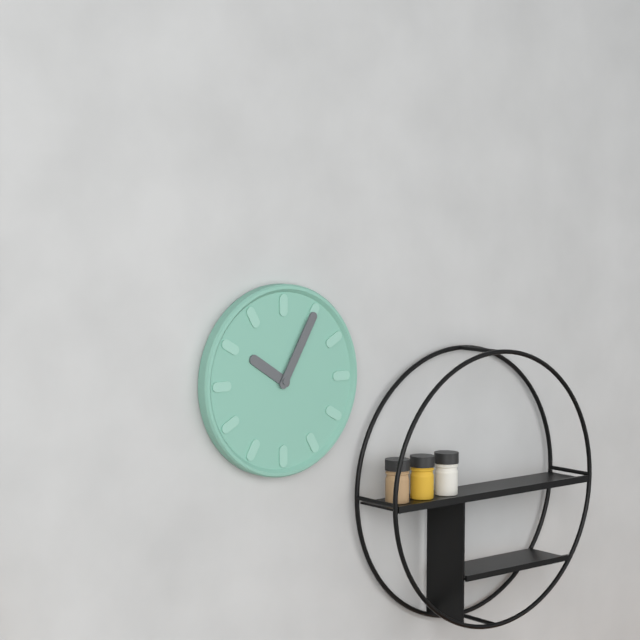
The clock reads **10:05**
